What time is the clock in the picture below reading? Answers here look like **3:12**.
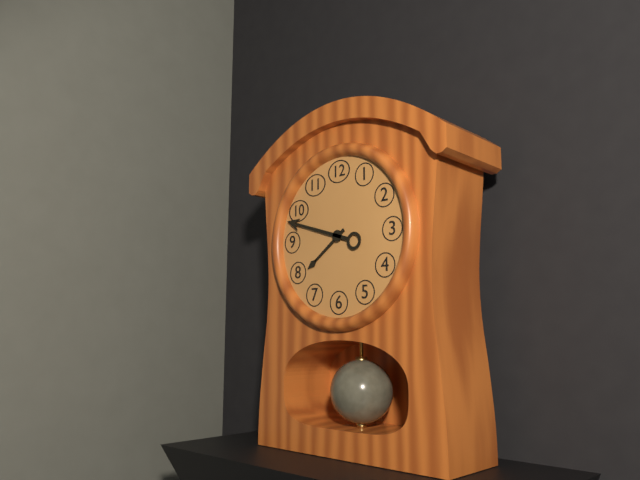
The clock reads **7:48**
